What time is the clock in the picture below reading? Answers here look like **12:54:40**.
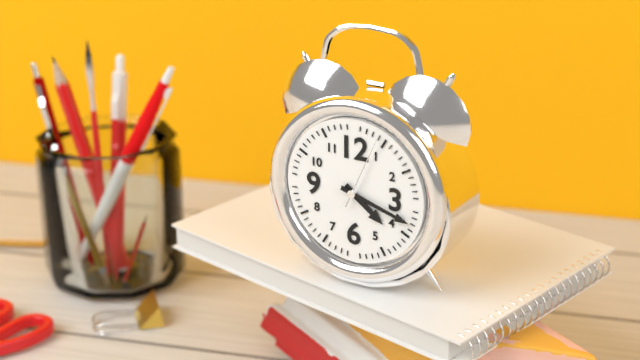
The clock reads **4:18:04**
